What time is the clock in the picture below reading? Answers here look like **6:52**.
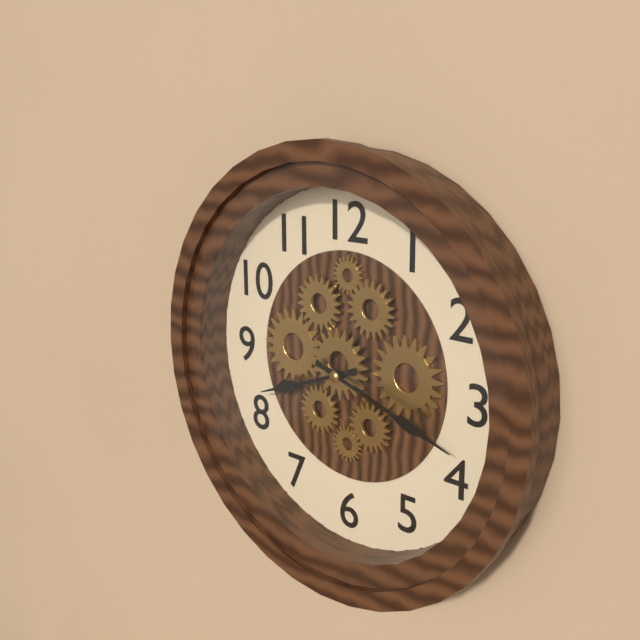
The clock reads **8:18**
